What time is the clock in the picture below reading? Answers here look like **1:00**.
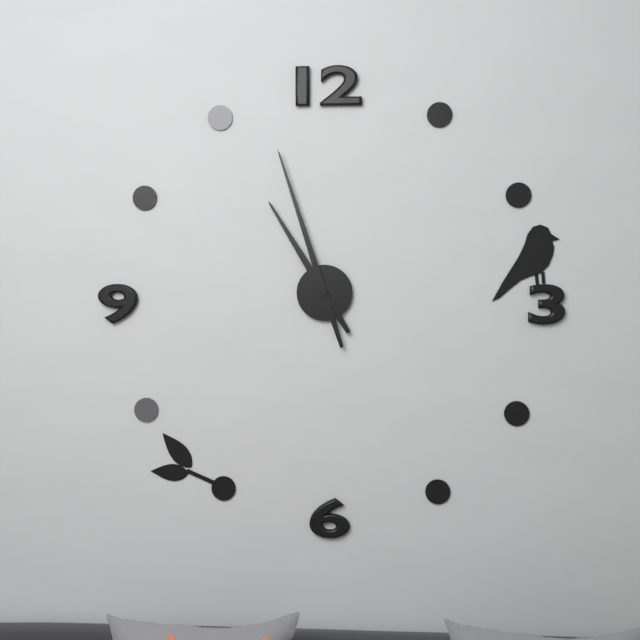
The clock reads **10:57**
